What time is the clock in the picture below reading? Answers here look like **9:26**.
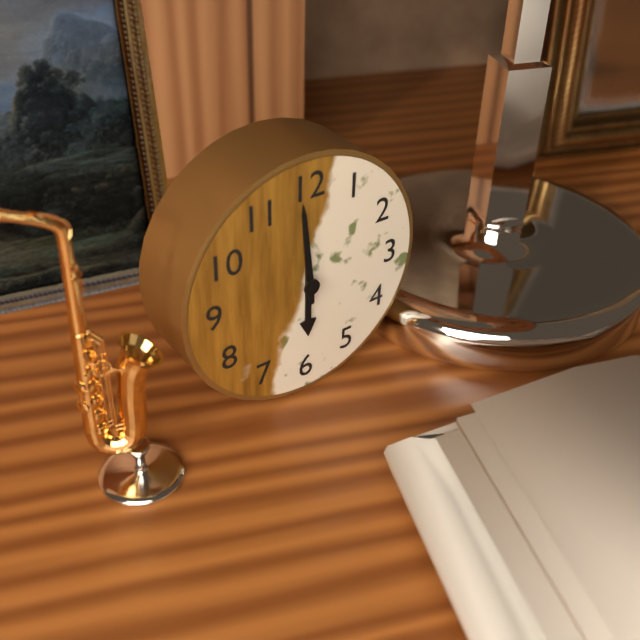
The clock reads **5:59**
